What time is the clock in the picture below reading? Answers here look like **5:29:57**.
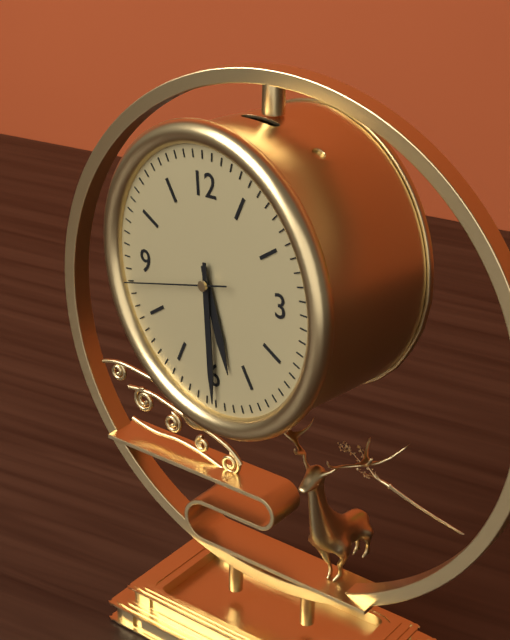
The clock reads **5:30:43**
